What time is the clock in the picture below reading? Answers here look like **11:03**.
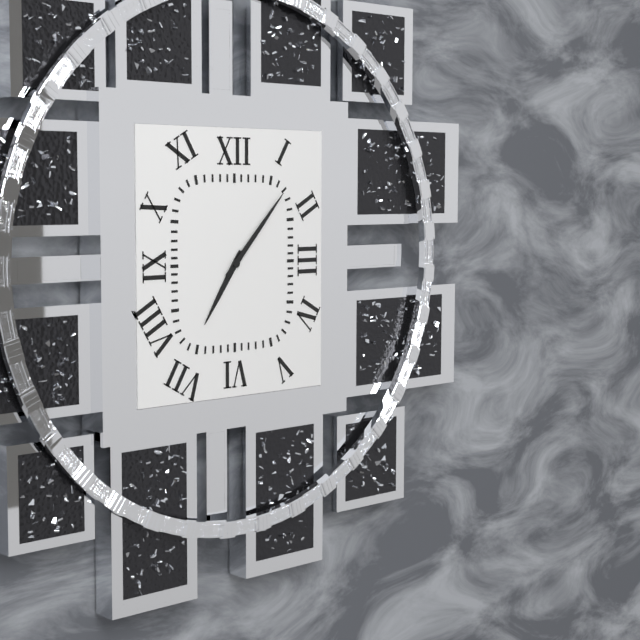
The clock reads **7:07**
